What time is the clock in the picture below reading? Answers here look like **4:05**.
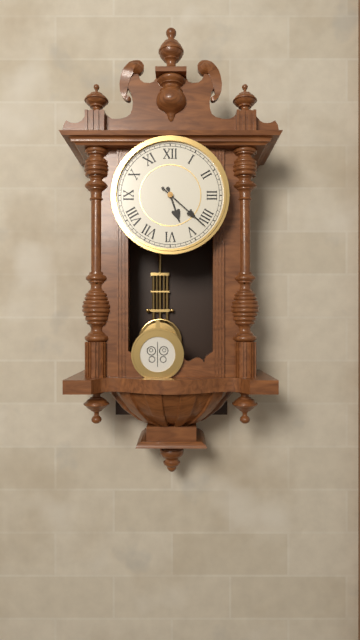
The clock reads **5:22**
